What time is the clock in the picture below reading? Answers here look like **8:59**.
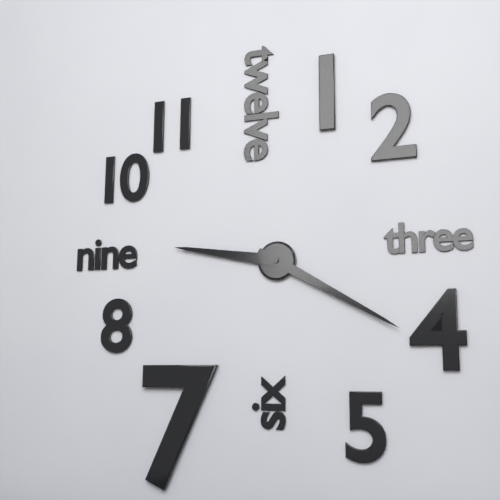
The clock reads **9:20**
